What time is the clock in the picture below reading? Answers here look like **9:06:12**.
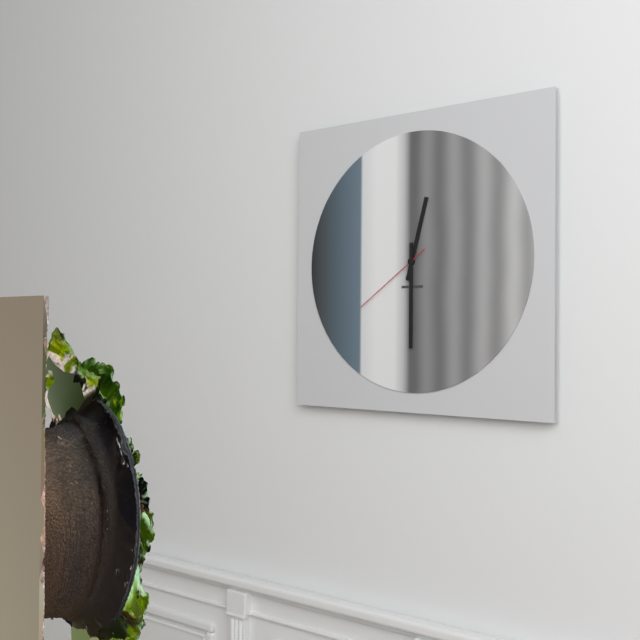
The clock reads **12:30:39**
